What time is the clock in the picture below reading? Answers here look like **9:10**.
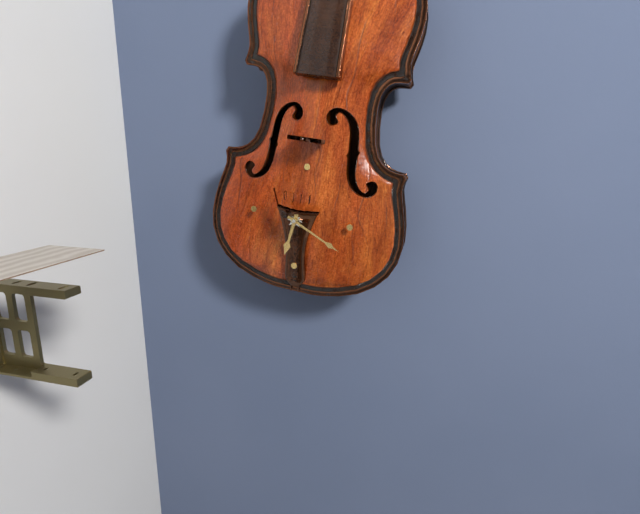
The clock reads **6:19**
